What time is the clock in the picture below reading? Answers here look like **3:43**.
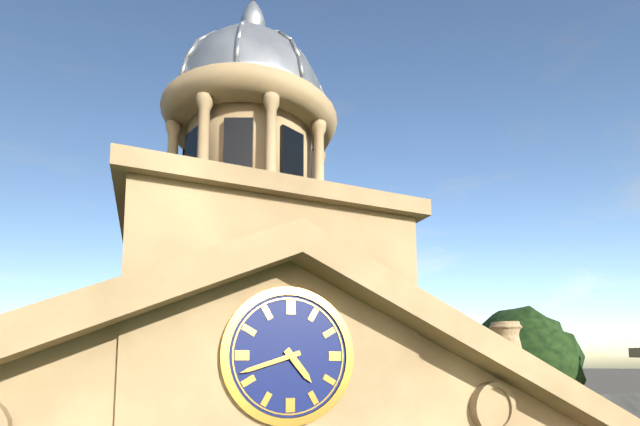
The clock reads **4:42**
